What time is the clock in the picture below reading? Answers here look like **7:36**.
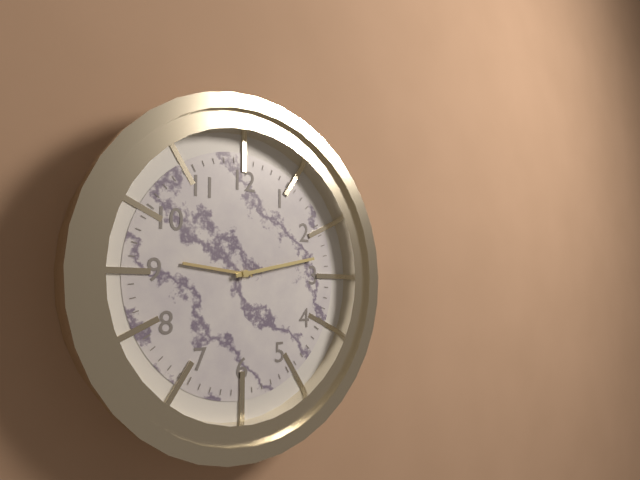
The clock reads **9:13**
